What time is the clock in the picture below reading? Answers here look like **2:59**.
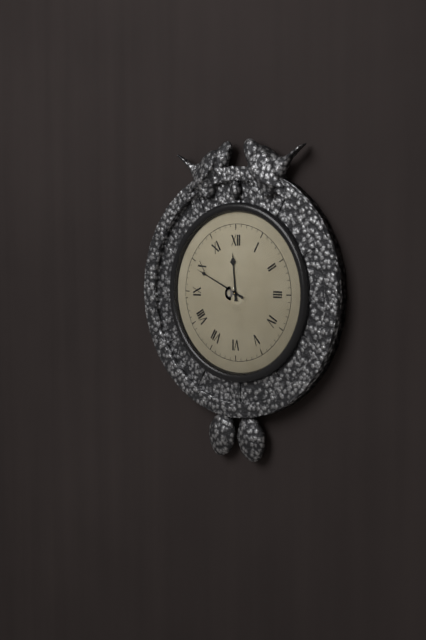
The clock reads **11:49**
